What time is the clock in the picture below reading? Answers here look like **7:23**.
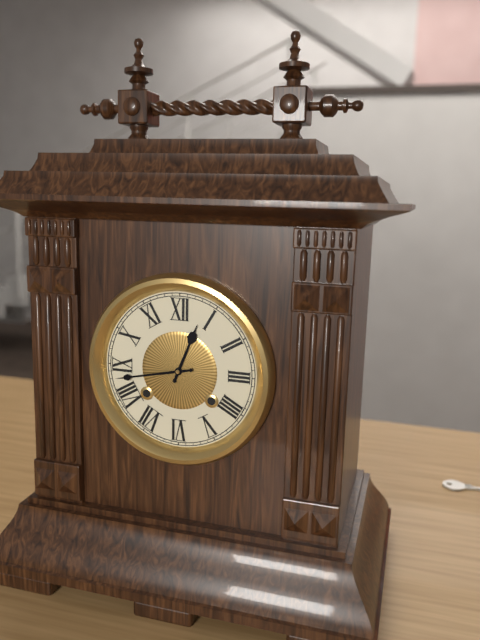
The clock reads **12:43**
